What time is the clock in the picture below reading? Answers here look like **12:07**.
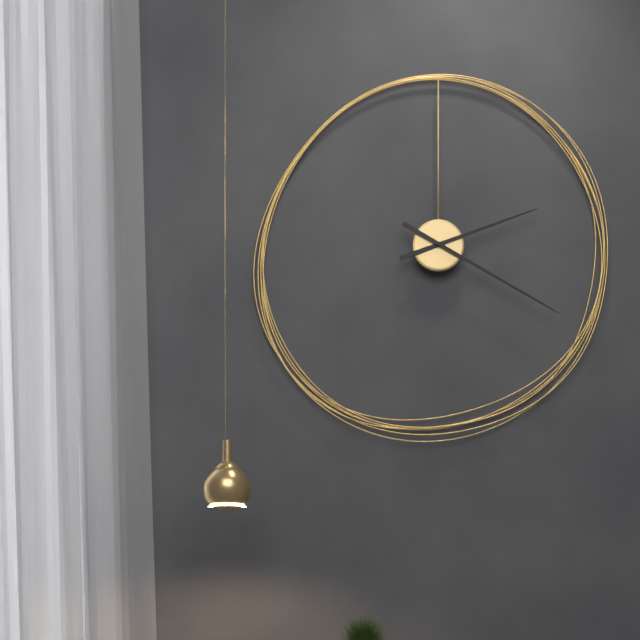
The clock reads **2:20**
